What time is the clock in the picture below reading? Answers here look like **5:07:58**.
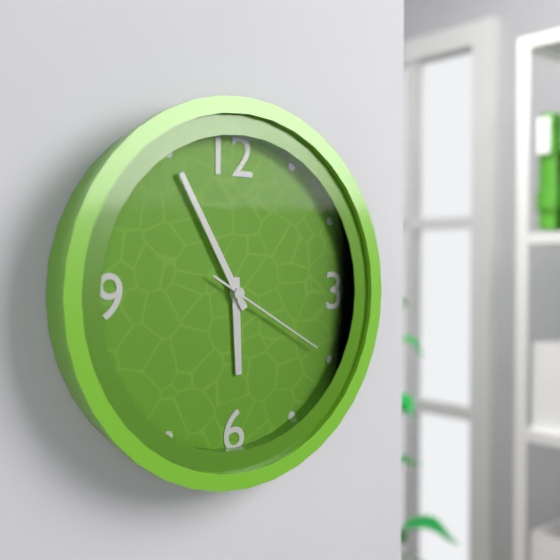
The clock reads **5:55:20**
